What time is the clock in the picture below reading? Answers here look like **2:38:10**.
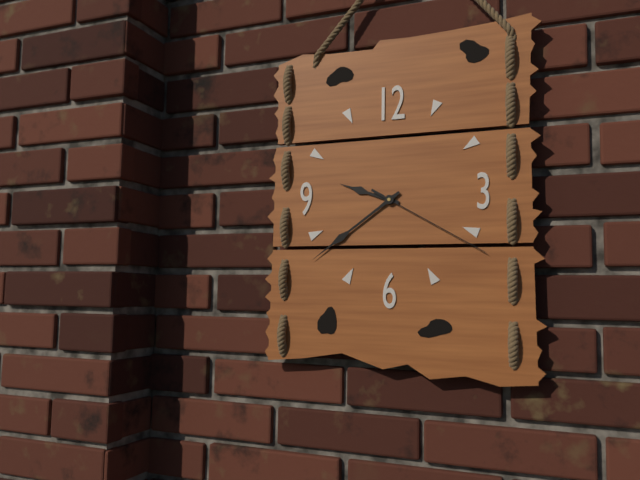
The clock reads **9:39:20**
